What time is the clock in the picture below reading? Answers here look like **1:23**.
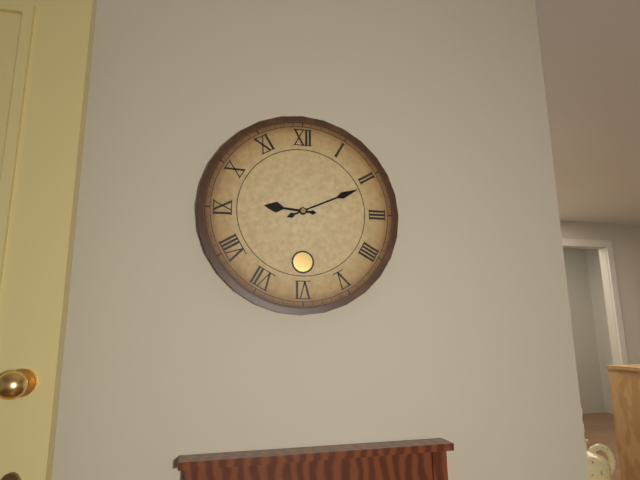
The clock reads **9:11**
